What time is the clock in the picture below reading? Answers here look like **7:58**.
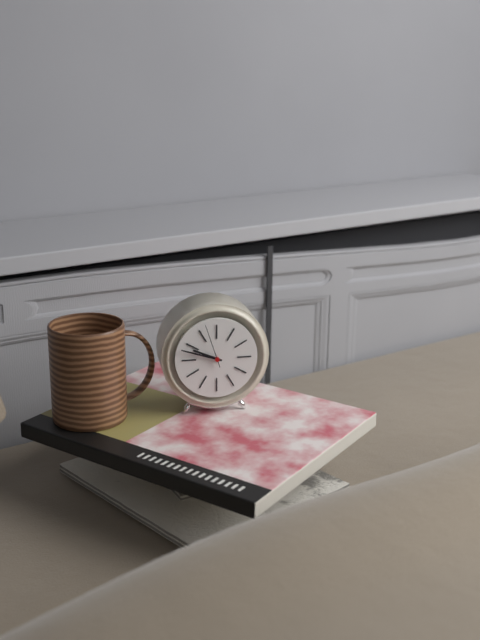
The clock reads **9:48**
